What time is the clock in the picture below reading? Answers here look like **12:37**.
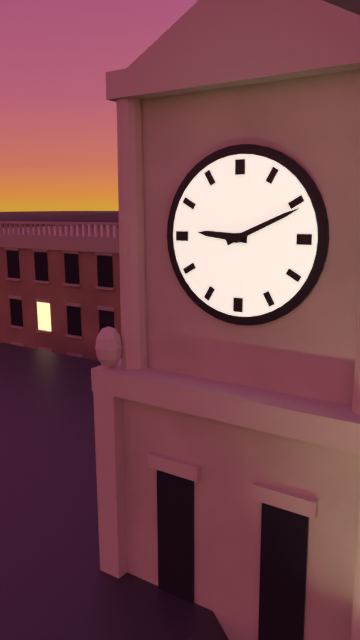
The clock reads **9:11**
